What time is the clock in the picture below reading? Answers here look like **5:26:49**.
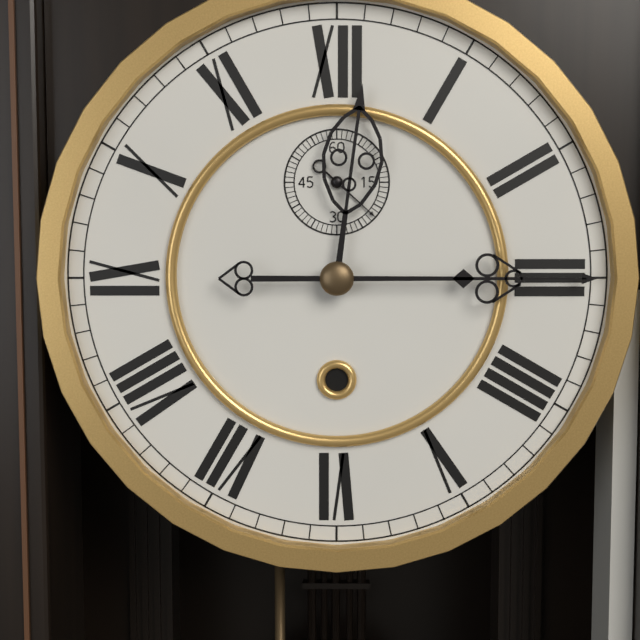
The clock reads **12:15:22**
